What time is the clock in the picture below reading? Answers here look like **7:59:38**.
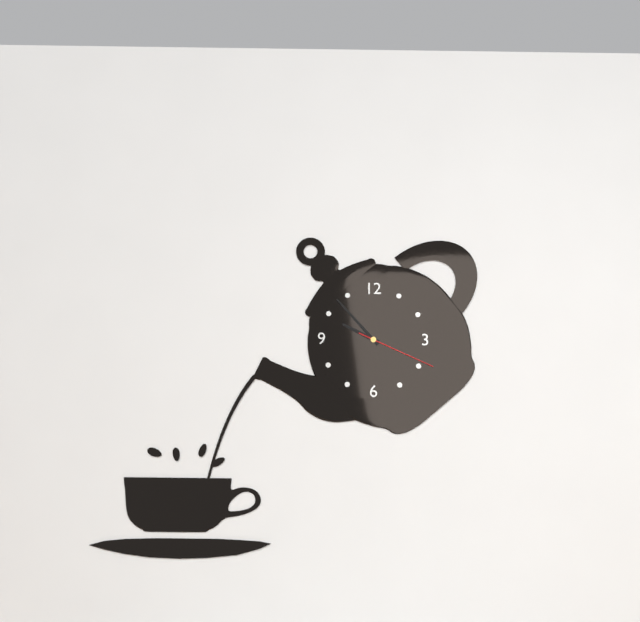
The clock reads **9:53:19**
